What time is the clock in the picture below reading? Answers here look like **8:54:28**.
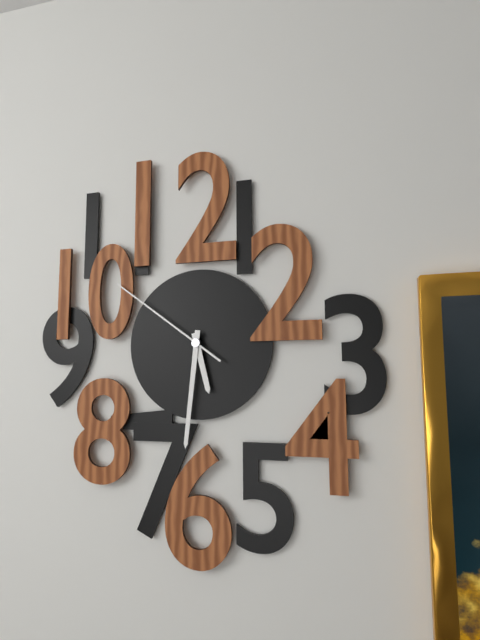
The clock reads **5:31:51**
